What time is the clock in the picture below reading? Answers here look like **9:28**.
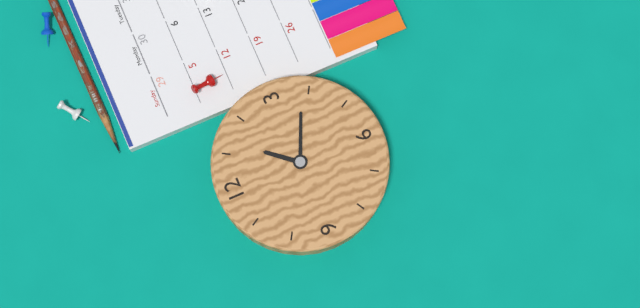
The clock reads **1:19**
